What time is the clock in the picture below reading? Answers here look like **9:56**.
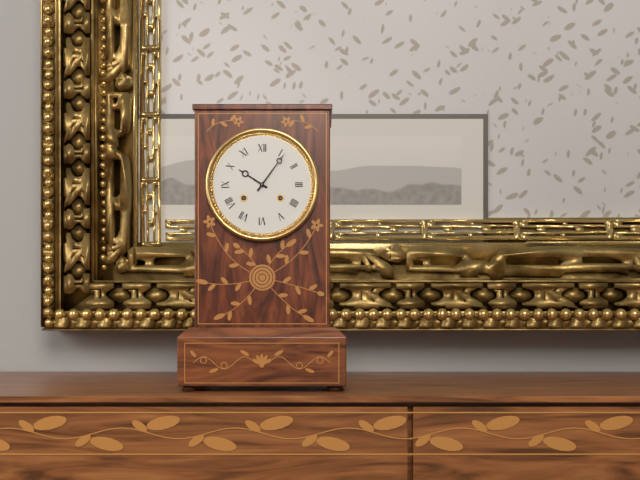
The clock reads **10:06**
